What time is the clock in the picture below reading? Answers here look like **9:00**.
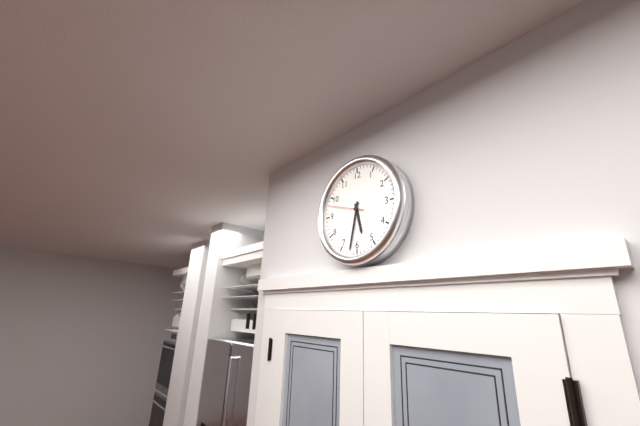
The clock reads **5:32**
